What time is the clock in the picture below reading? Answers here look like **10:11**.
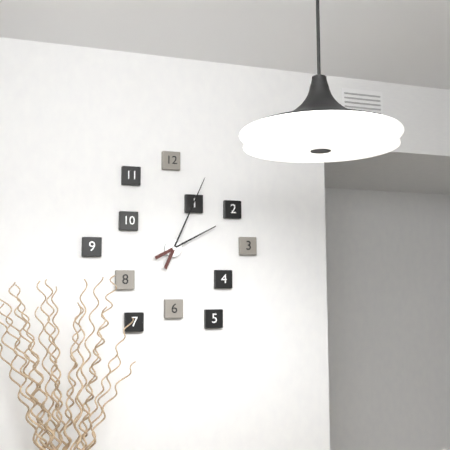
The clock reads **2:04**
